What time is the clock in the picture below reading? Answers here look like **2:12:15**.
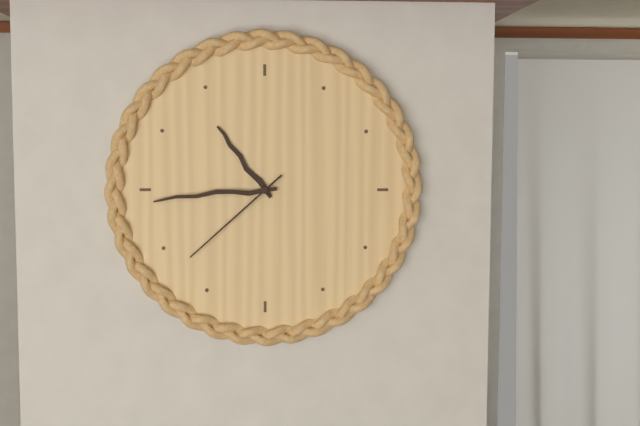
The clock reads **10:44:38**
